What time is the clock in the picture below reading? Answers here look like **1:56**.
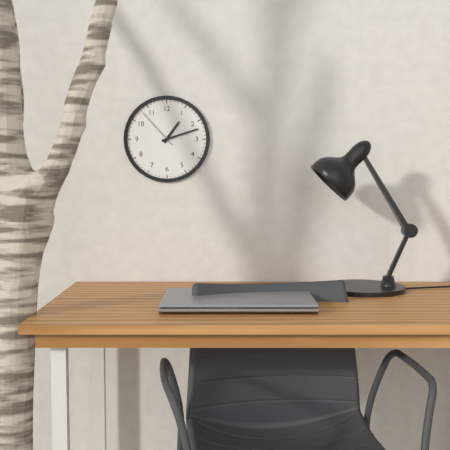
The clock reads **1:12**
